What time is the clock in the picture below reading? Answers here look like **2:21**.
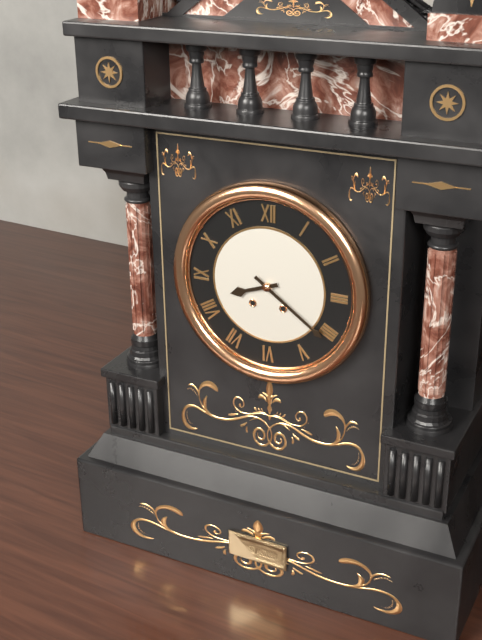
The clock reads **8:21**
